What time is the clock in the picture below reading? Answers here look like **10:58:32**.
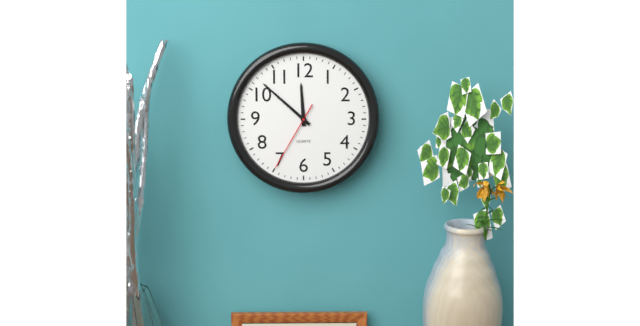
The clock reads **11:52:35**
